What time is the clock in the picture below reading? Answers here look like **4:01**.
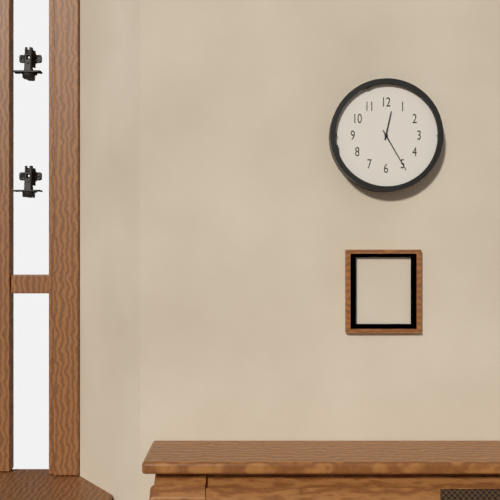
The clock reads **12:25**
